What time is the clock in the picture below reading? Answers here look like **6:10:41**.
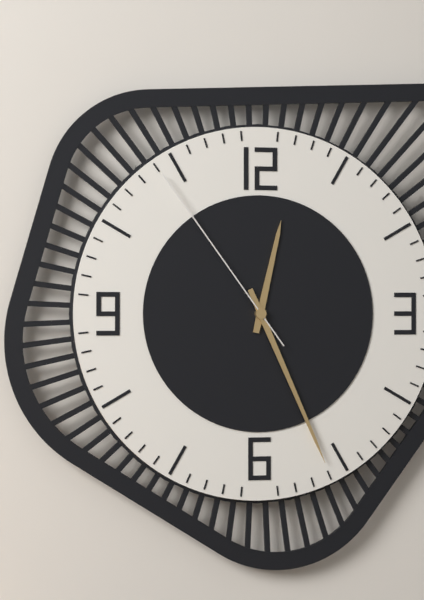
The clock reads **12:26:54**
